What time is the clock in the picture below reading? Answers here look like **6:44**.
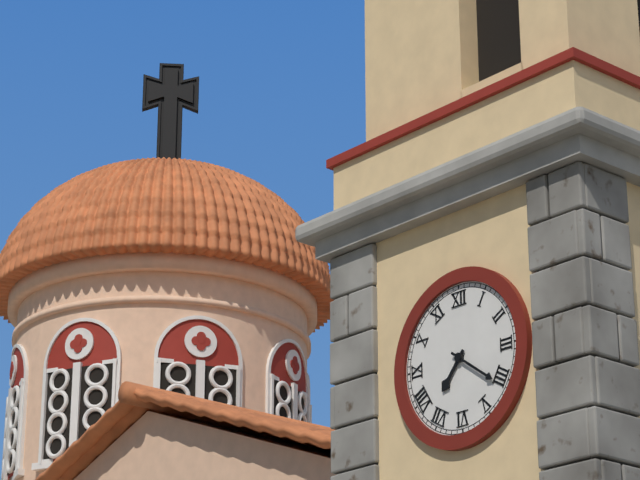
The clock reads **7:21**
